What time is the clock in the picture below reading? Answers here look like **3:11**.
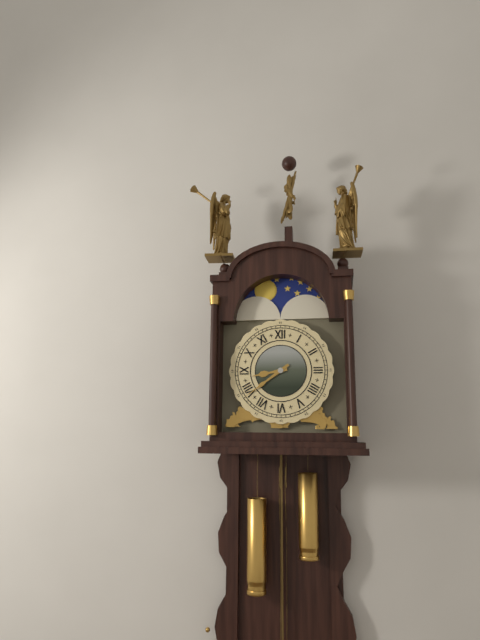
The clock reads **8:39**
